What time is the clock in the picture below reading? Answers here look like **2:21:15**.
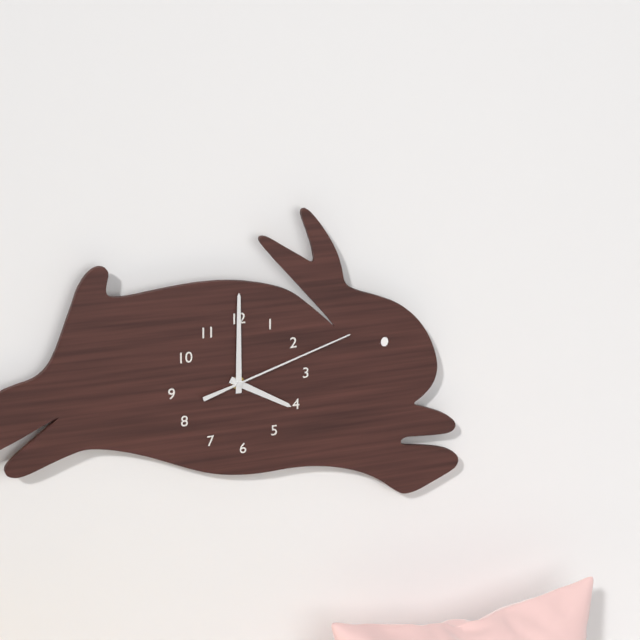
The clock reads **4:00:12**
